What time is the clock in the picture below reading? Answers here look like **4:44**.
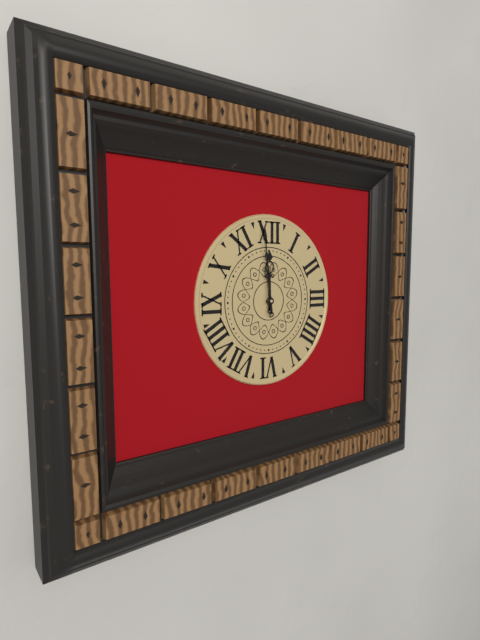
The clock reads **11:59**
